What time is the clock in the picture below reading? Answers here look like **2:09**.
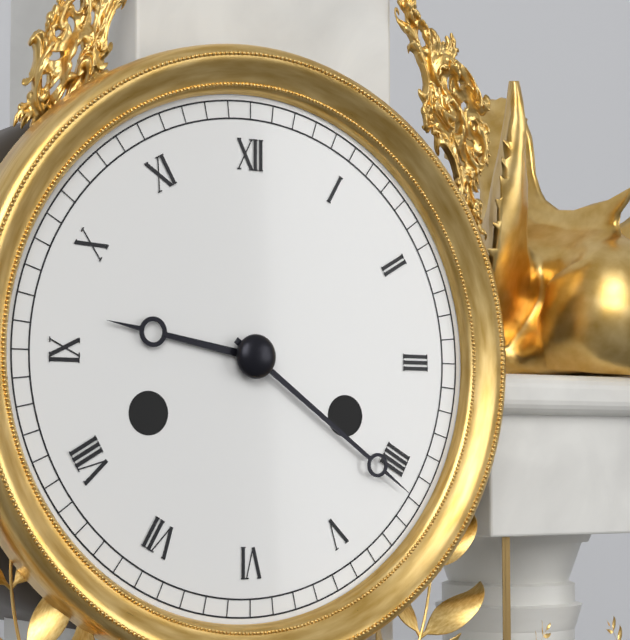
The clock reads **9:21**
